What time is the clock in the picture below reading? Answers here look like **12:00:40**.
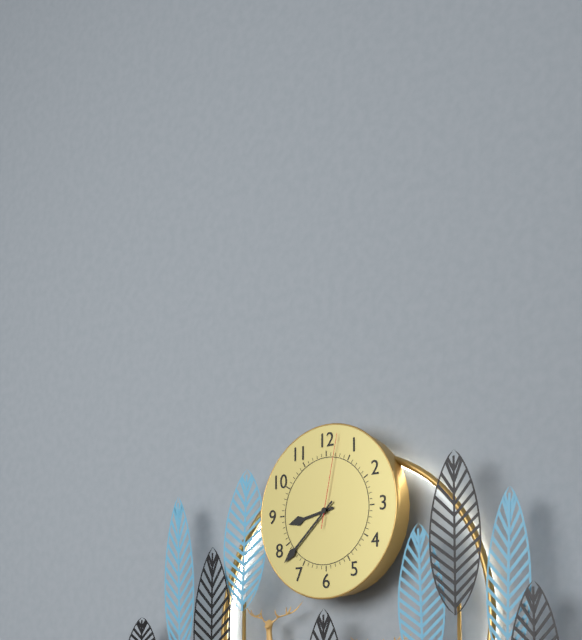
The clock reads **8:38:02**
